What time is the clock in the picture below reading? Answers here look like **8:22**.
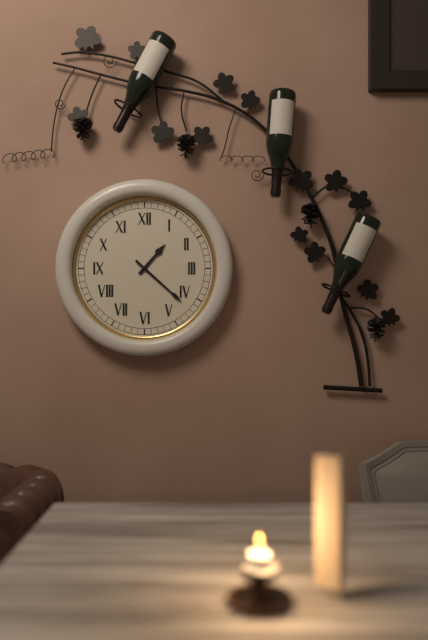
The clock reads **1:22**
